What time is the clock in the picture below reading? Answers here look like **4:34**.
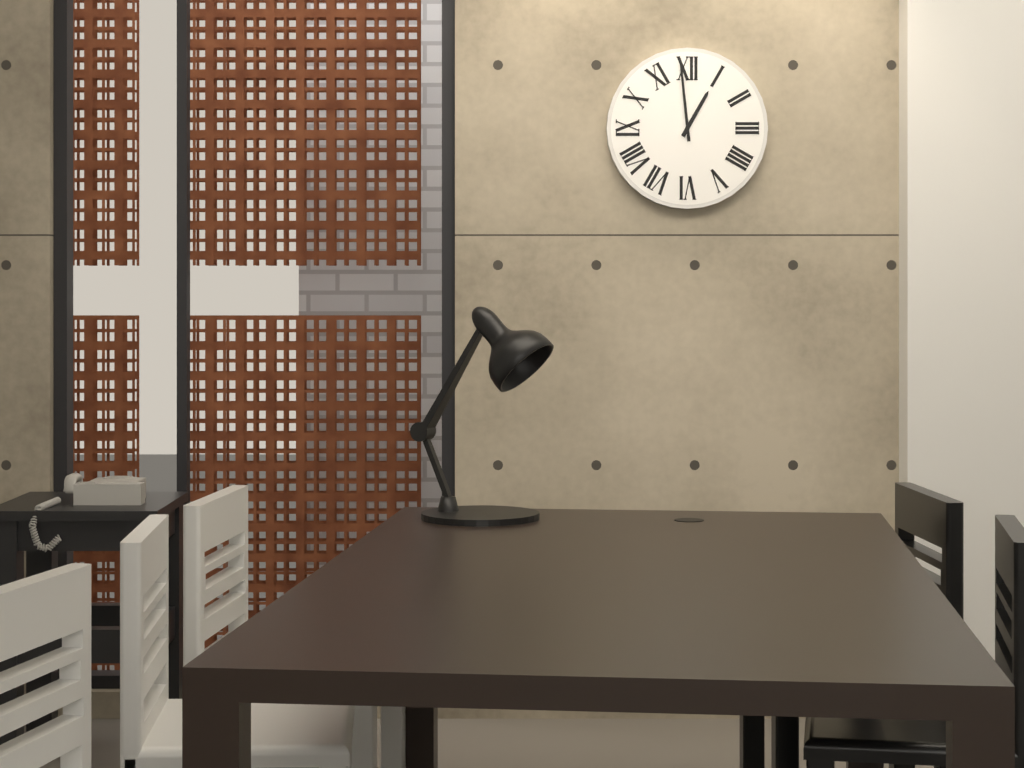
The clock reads **12:59**
